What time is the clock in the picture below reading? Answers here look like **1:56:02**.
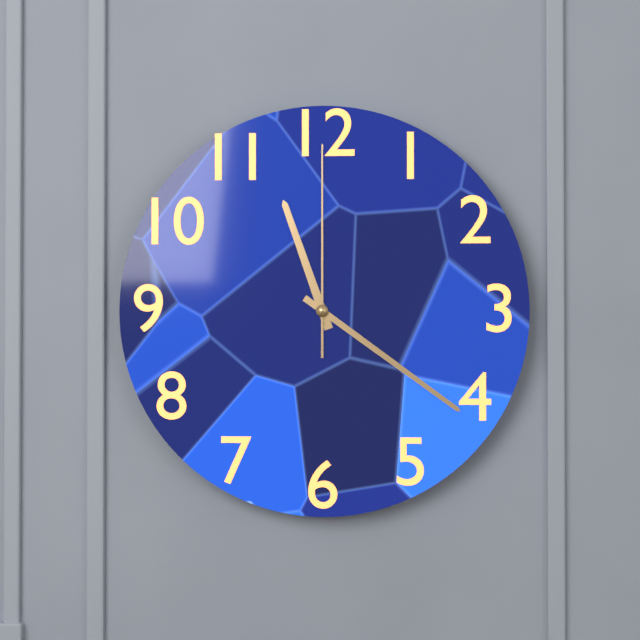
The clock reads **11:21:00**
